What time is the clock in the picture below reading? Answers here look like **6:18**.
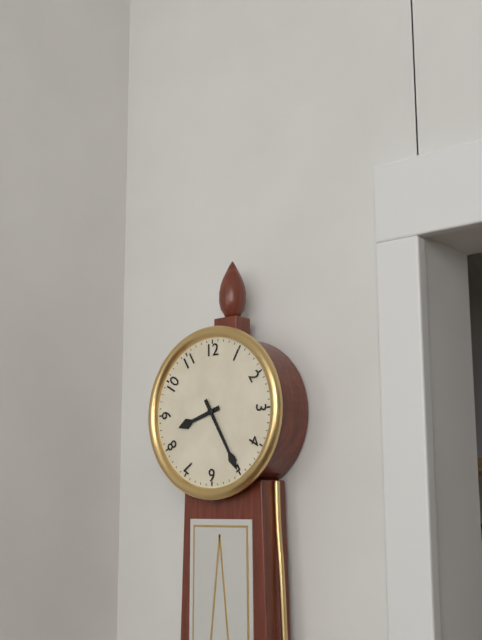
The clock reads **8:25**
